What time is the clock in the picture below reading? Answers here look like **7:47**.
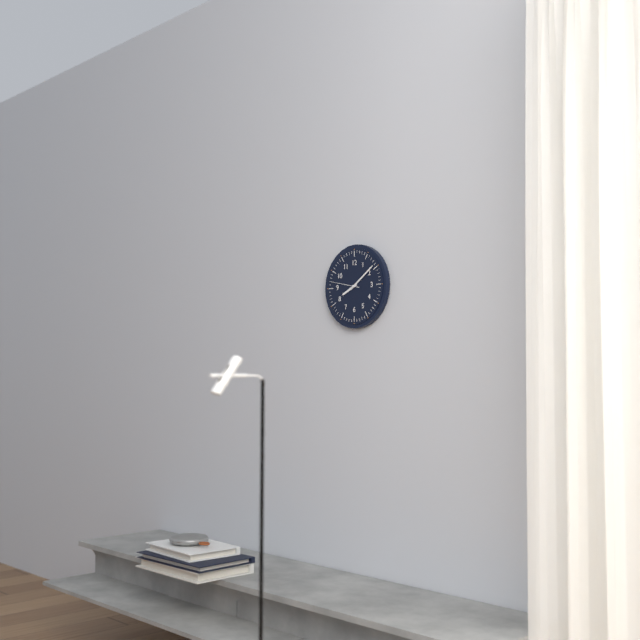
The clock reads **8:09**
